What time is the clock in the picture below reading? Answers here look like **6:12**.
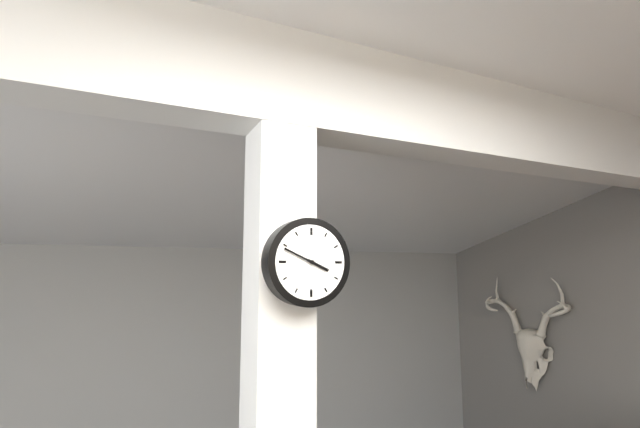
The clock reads **3:49**
